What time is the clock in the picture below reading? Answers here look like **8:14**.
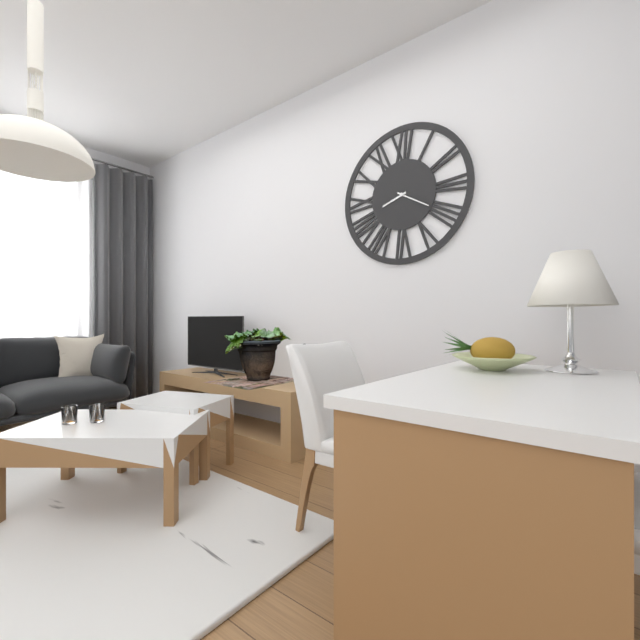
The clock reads **8:20**
